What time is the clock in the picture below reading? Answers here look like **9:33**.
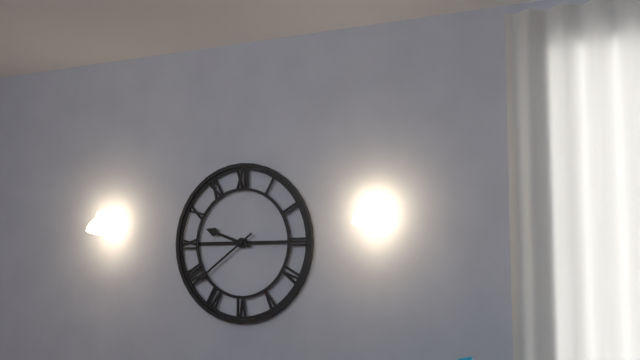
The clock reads **9:39**
